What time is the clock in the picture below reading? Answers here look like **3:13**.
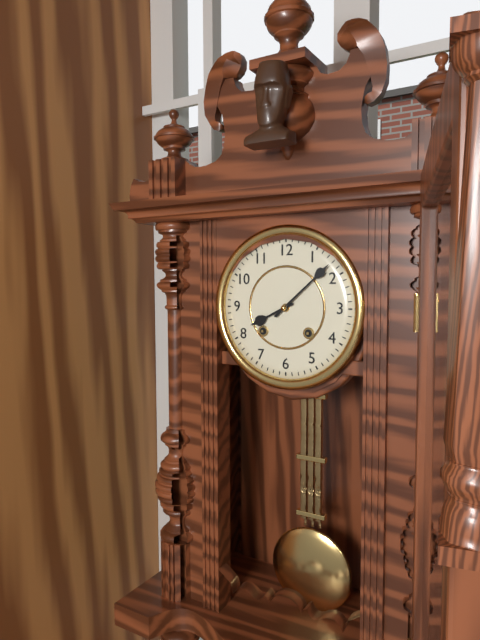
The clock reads **8:08**
